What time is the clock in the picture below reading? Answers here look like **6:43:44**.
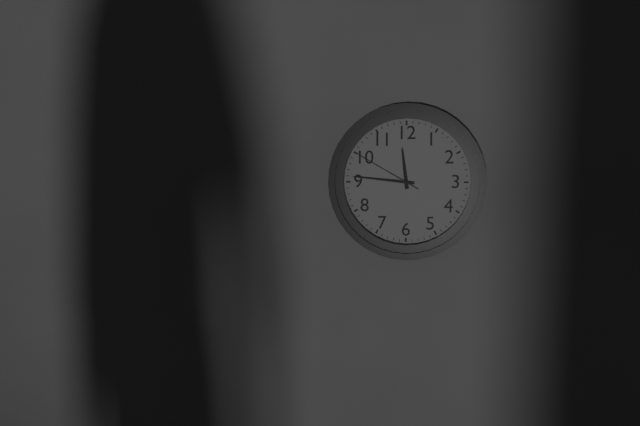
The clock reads **11:46:50**
